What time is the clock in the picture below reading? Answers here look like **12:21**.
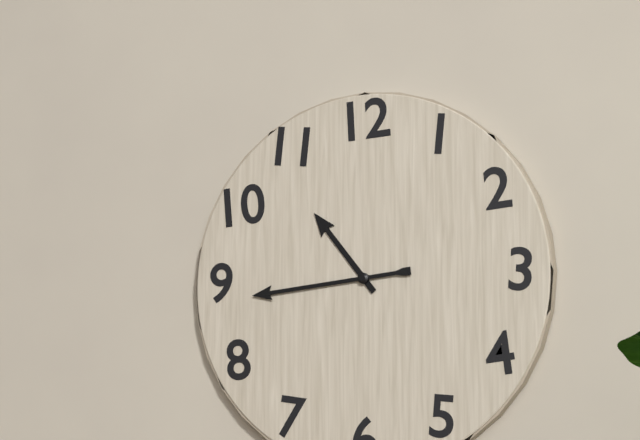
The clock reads **10:44**
